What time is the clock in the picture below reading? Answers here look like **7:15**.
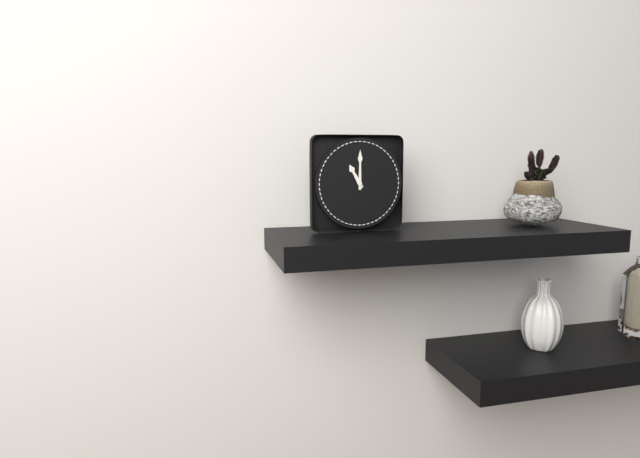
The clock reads **11:00**
